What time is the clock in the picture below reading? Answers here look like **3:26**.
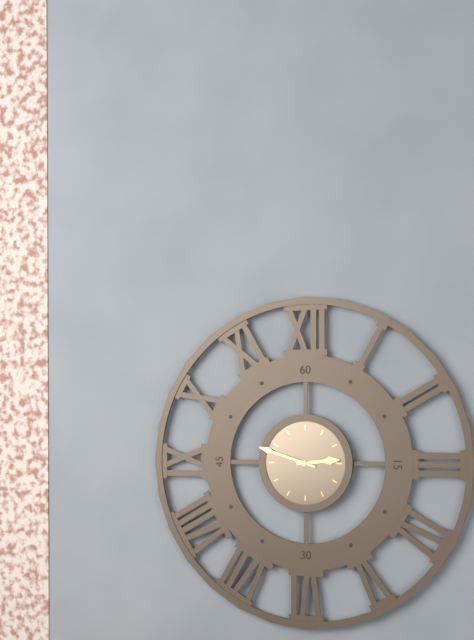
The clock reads **2:48**
